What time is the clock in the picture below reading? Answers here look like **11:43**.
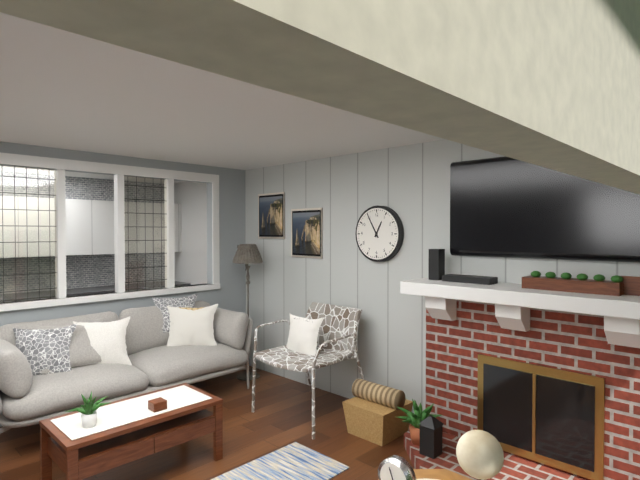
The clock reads **12:55**
